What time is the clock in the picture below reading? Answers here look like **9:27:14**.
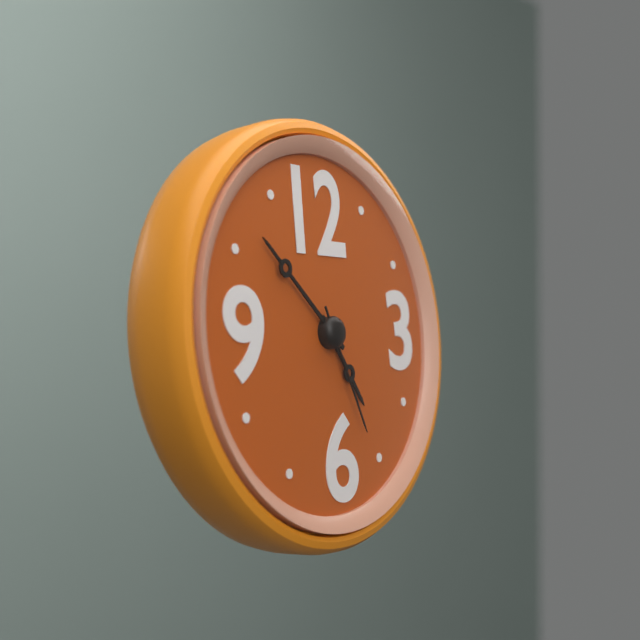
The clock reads **4:52:26**
